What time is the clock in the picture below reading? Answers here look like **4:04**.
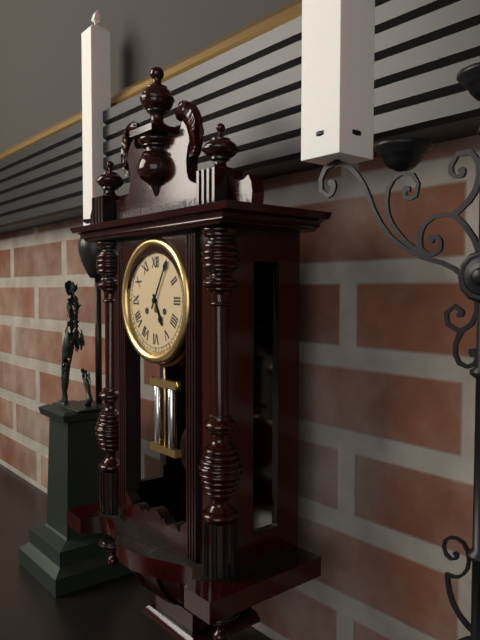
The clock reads **5:05**
